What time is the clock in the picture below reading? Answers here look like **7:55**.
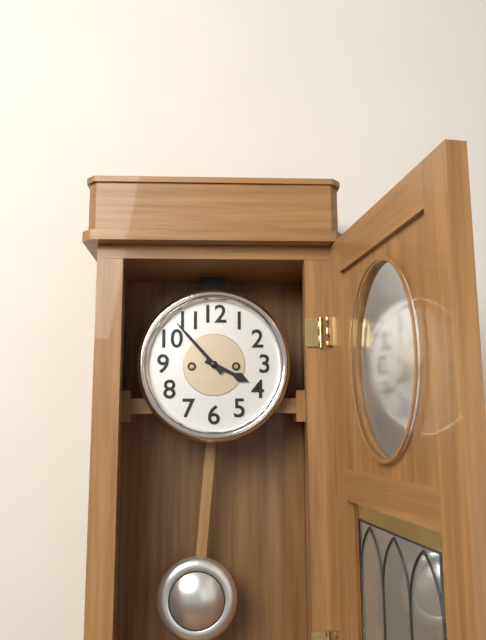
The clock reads **3:53**
